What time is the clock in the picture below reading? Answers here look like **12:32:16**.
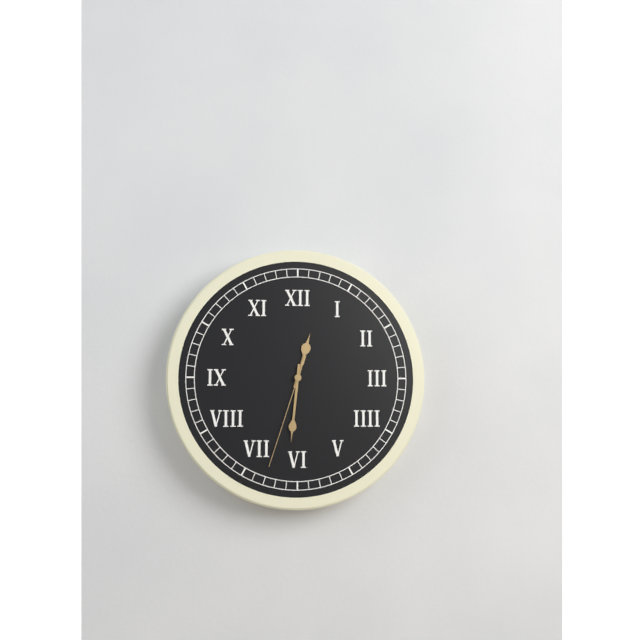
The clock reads **12:31:33**
